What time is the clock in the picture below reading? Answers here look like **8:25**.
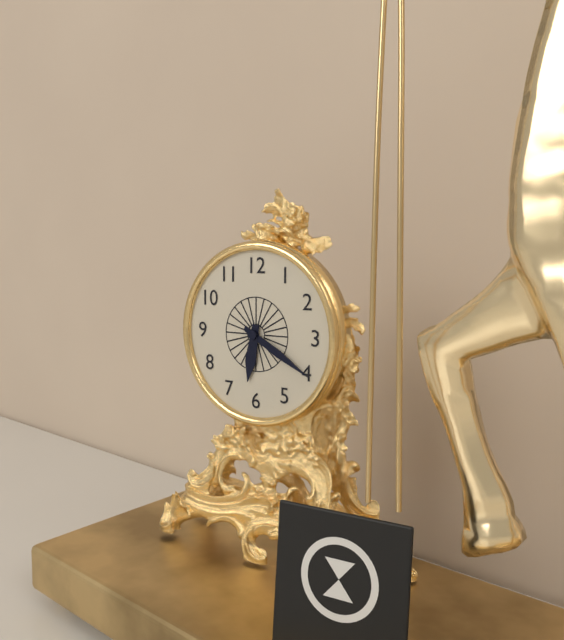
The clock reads **6:20**
